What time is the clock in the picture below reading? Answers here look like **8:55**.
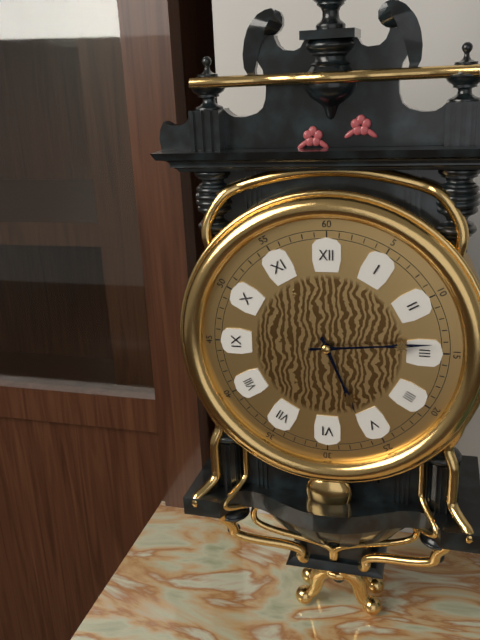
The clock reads **5:14**
